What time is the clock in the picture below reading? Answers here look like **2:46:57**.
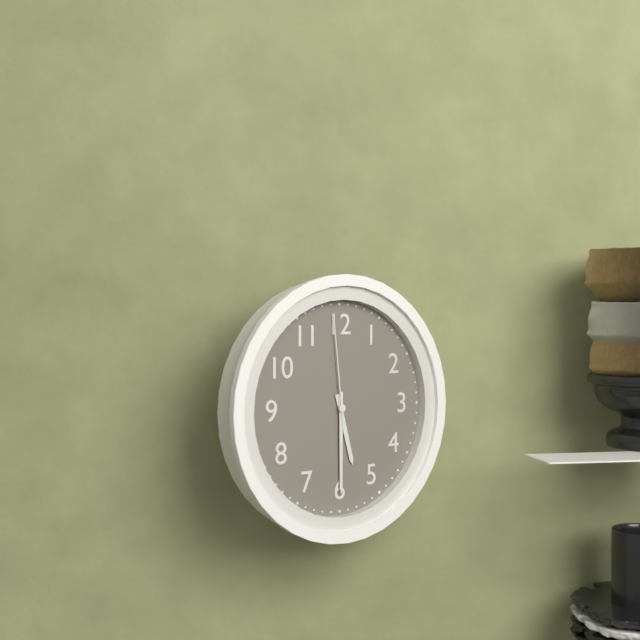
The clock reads **5:30:59**
